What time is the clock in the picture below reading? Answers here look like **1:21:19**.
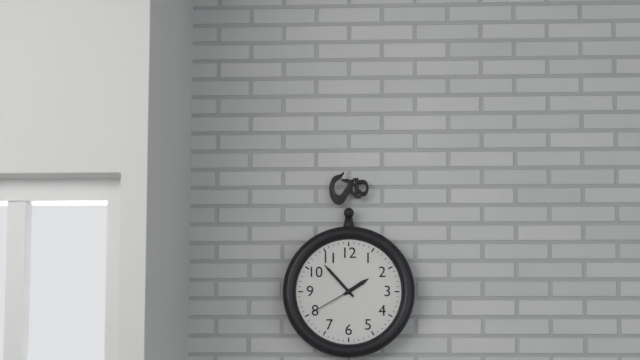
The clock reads **1:53:40**
